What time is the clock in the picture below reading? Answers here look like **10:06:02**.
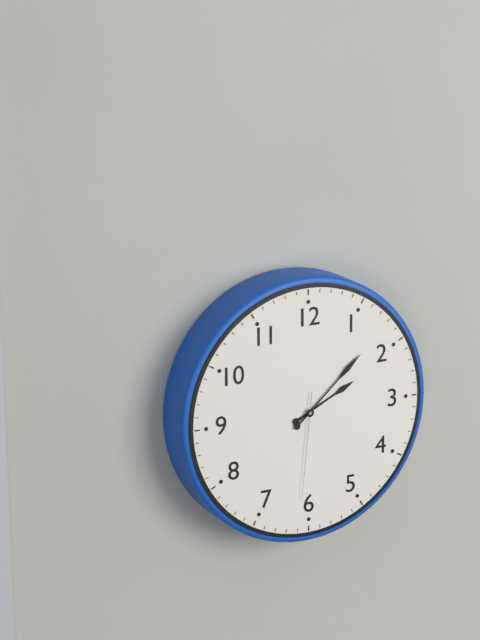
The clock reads **2:08:31**
